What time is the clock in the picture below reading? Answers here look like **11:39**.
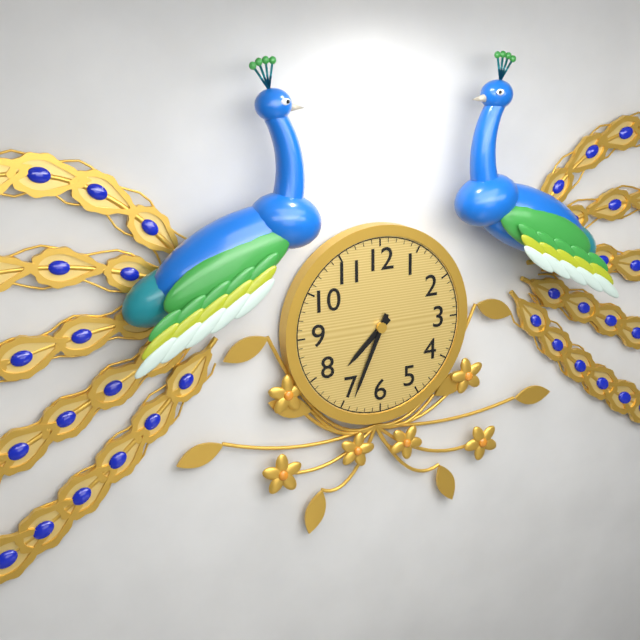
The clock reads **7:34**
